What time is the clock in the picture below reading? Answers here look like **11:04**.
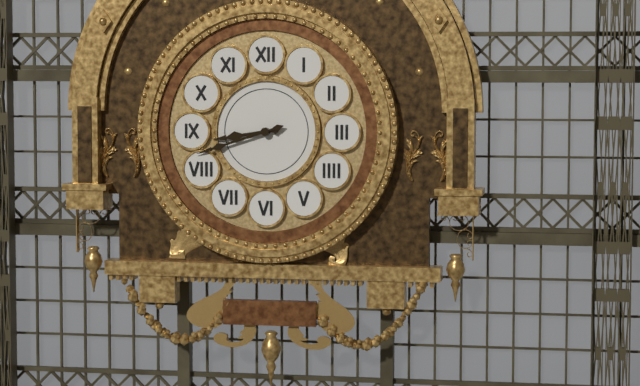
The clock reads **8:42**
